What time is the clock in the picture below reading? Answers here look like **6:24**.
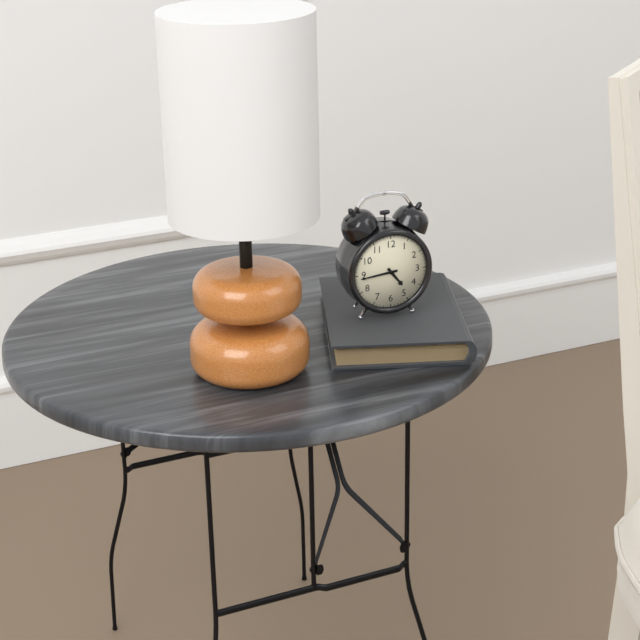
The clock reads **4:44**
